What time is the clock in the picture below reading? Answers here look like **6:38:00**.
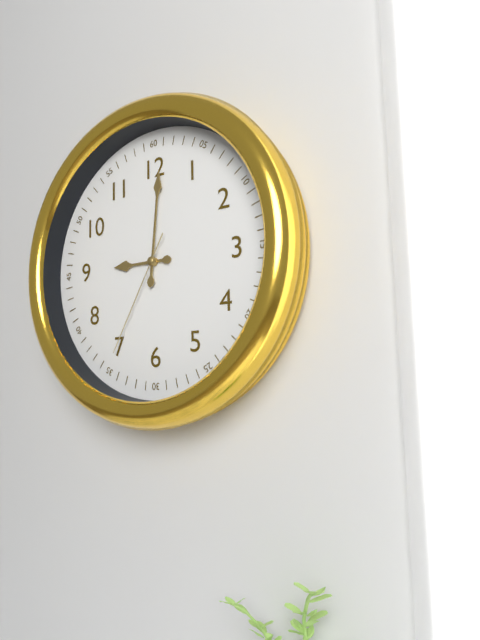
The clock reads **9:01:35**
